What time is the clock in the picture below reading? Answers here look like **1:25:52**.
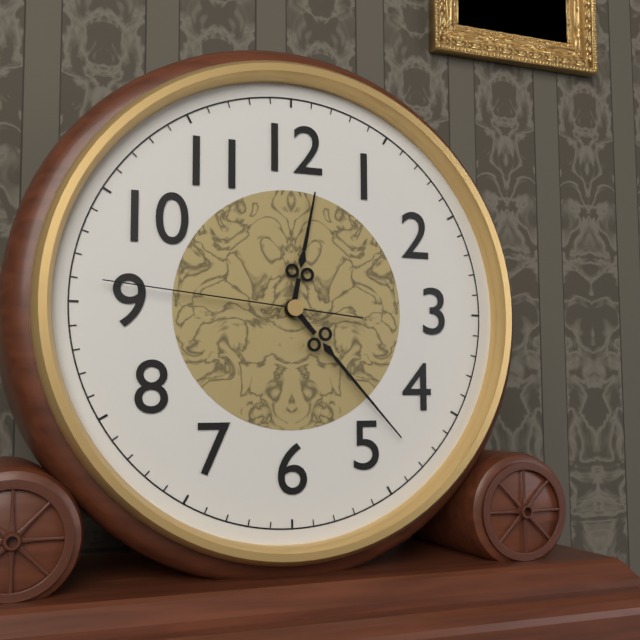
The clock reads **12:23:46**
